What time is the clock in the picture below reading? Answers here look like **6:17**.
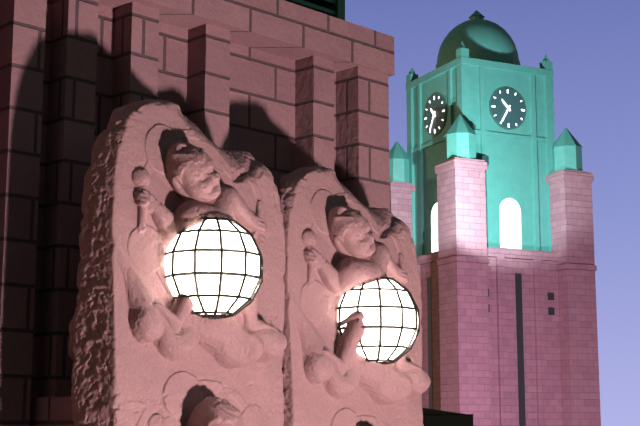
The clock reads **10:35**
